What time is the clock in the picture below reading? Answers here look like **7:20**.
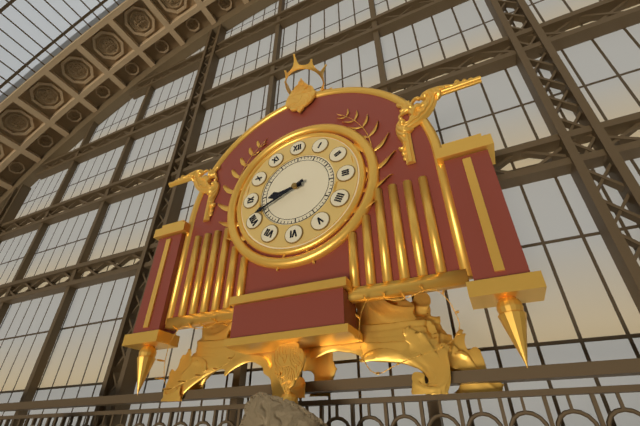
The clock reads **8:41**
